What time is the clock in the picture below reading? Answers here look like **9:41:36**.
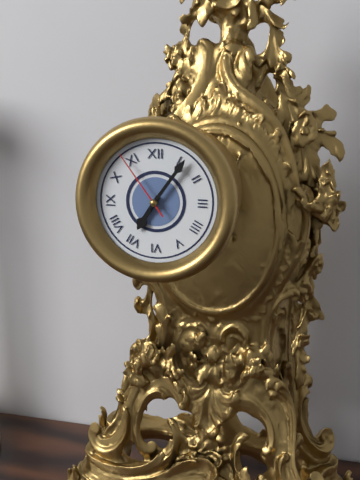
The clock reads **7:06:54**
